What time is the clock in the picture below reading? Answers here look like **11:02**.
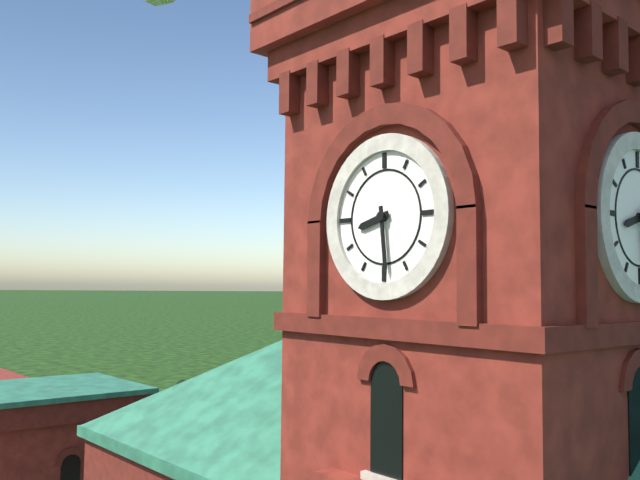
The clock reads **8:29**
